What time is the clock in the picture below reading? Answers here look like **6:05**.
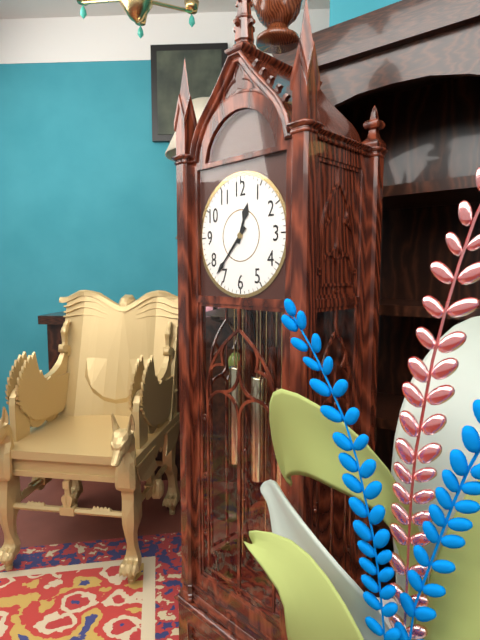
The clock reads **12:37**
